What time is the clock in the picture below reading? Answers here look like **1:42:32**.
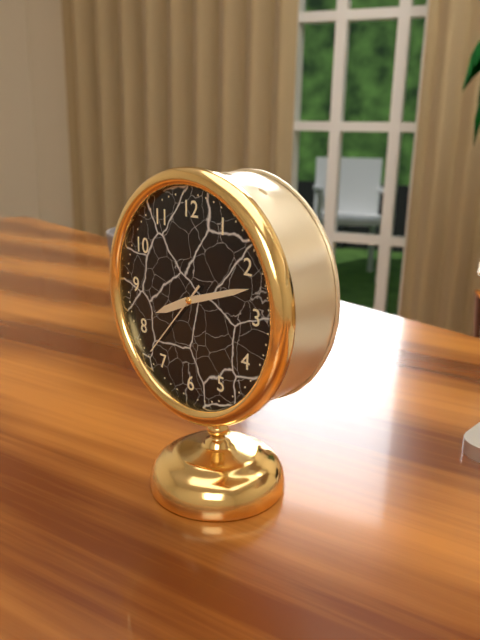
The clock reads **8:12:37**
